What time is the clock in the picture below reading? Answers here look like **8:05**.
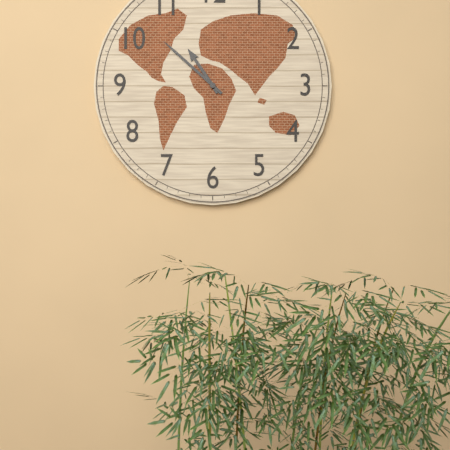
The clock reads **10:52**
